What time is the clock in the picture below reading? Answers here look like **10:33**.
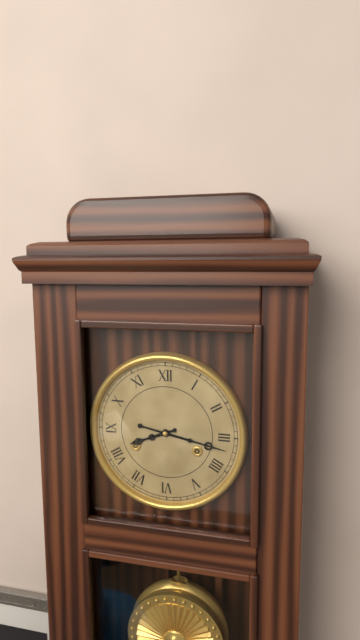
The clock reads **8:17**
